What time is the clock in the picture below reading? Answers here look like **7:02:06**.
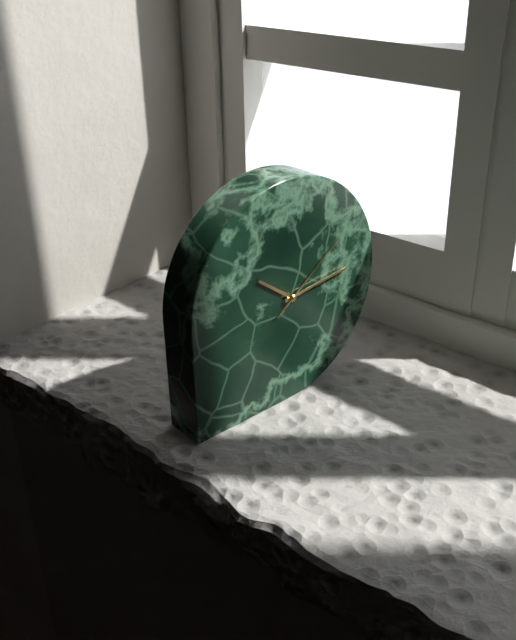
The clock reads **10:14:09**
